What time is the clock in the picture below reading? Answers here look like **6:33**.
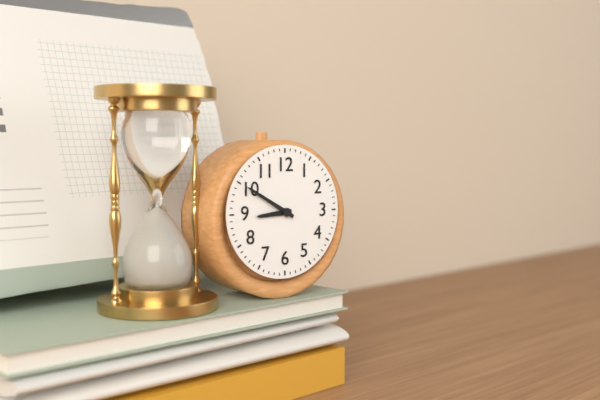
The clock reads **8:50**
